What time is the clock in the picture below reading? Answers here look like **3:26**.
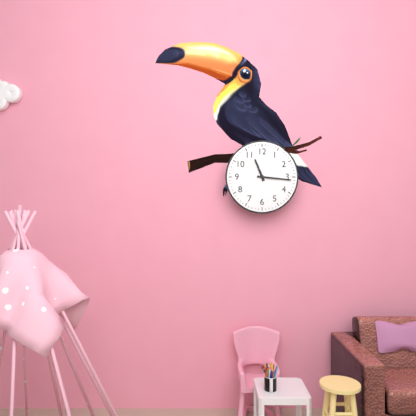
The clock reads **11:16**
